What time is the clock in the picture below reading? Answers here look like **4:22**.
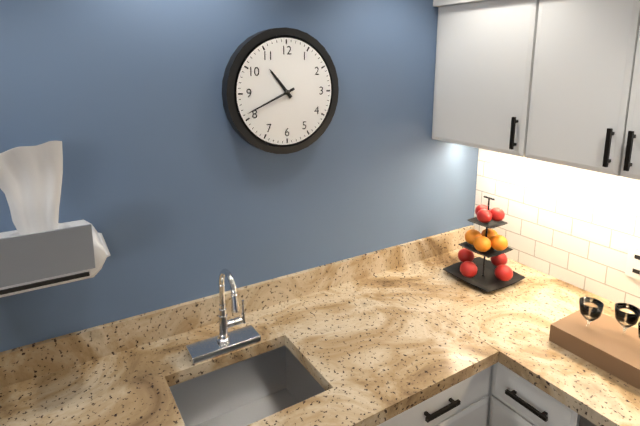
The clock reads **10:41**
